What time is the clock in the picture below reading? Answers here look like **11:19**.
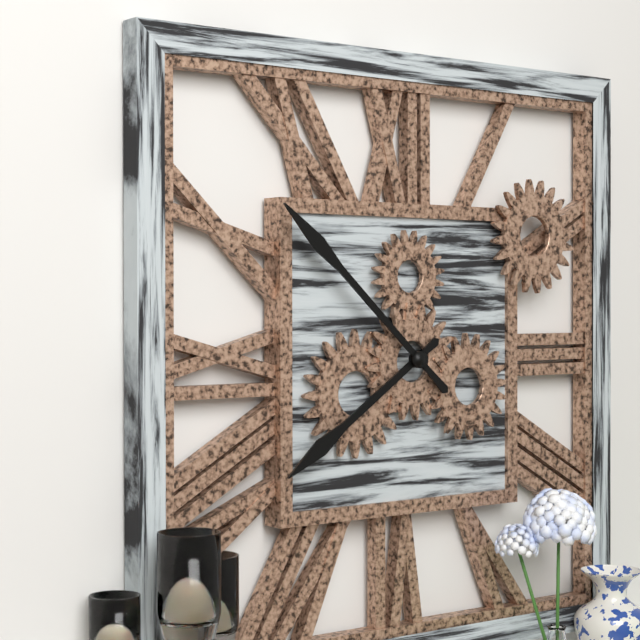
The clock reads **7:52**
